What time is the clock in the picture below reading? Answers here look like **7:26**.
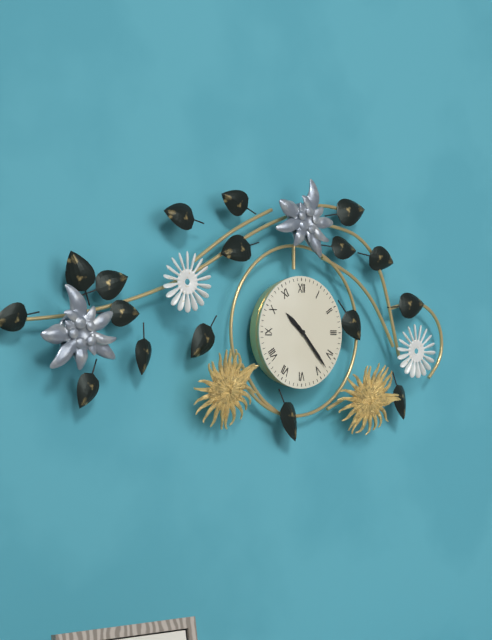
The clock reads **10:23**
